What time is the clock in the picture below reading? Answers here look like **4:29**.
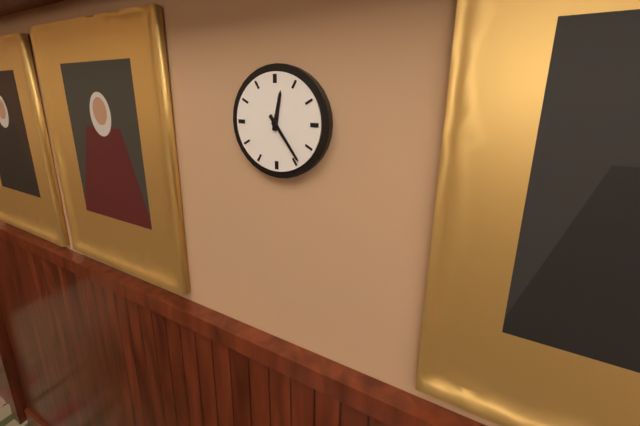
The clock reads **12:24**
